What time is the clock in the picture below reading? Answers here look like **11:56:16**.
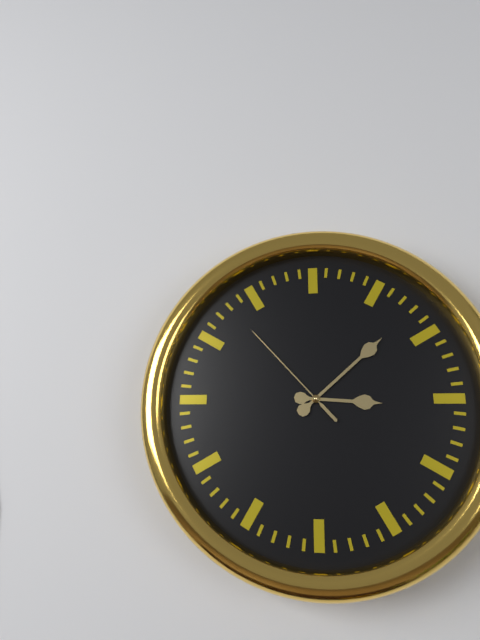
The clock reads **3:08:53**
